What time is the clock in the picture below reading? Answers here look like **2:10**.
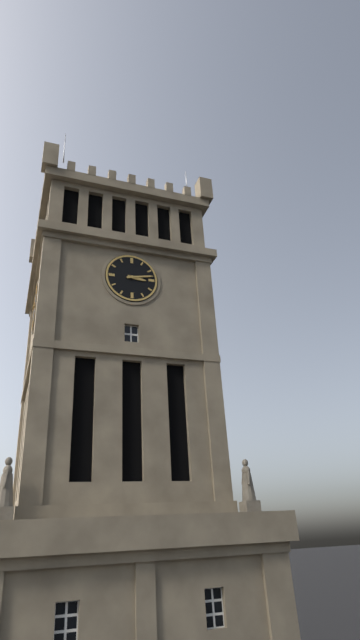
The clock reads **3:13**
